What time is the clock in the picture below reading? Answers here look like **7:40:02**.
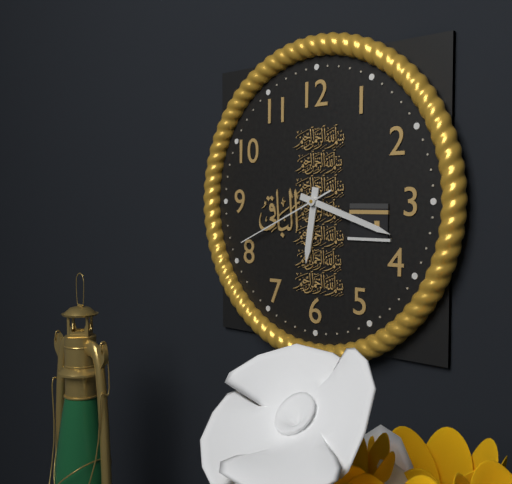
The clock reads **6:18:41**
